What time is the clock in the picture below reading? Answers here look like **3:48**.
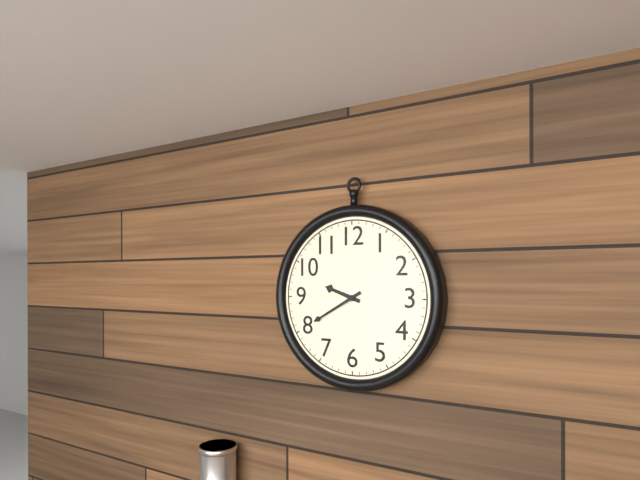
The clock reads **9:40**
